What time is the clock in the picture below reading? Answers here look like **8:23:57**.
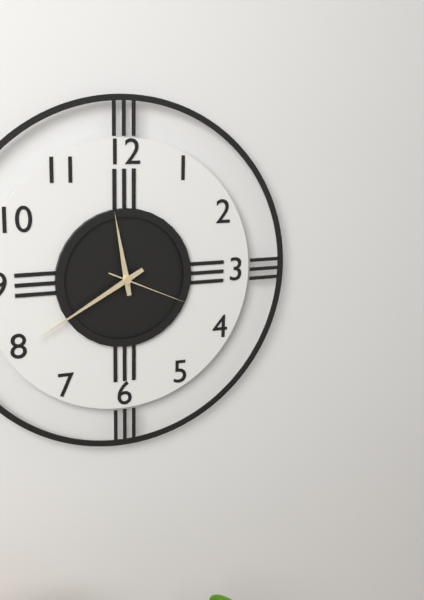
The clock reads **11:40:19**
